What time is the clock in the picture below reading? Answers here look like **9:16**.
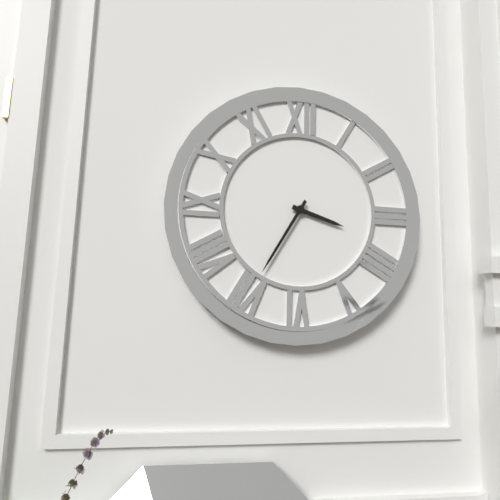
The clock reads **3:35**
